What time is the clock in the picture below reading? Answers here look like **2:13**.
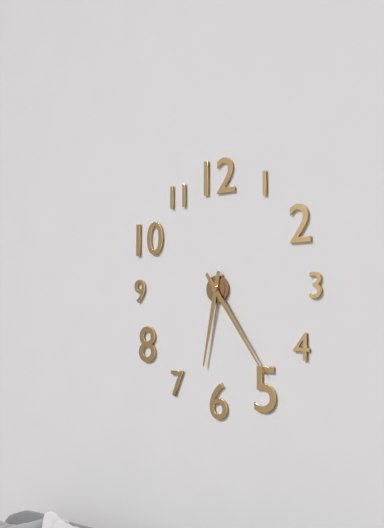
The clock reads **6:24**
